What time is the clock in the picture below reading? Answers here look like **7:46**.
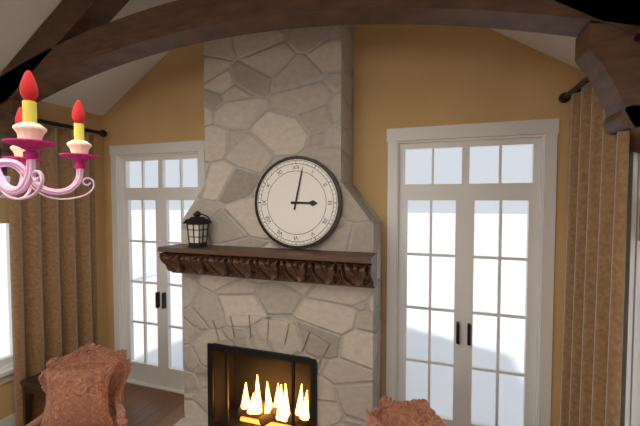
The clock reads **3:02**
